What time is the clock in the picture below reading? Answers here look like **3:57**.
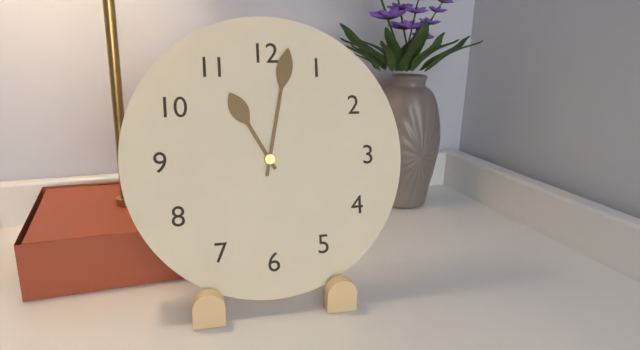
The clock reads **11:02**
